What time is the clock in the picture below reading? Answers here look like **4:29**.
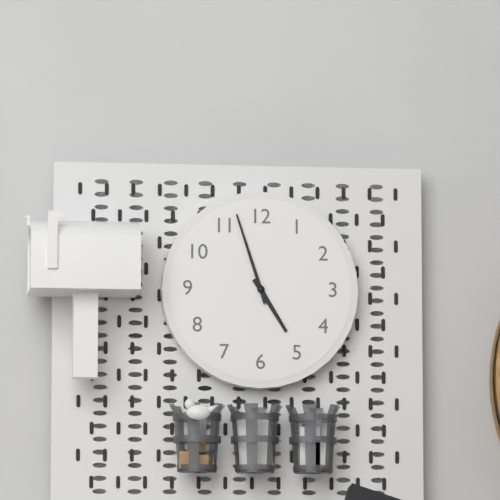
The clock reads **4:57**
